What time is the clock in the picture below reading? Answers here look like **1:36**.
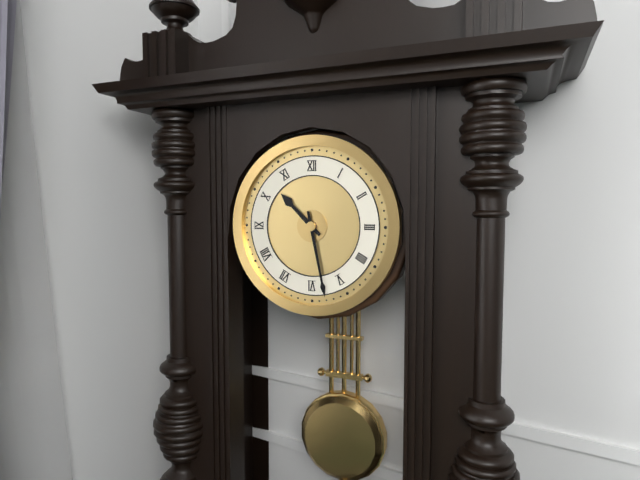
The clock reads **10:28**
